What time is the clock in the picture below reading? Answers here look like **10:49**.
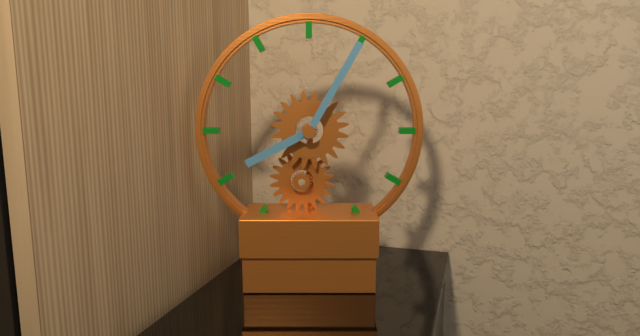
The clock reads **8:05**
